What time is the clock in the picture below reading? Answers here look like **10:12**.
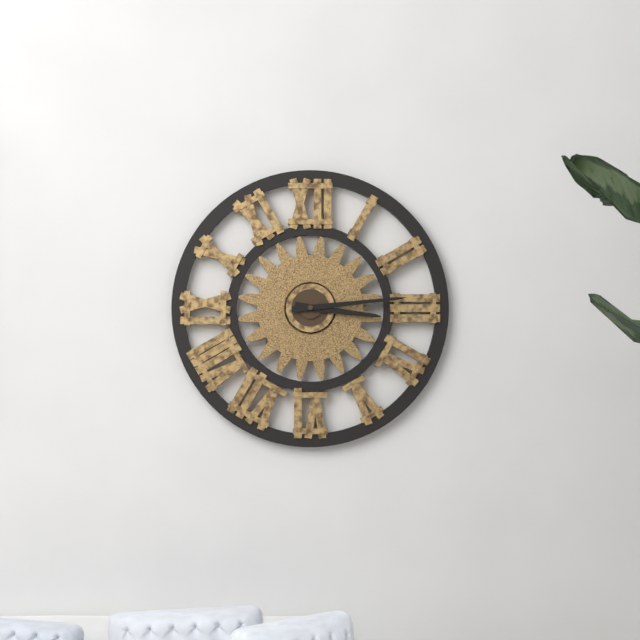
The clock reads **3:14**
